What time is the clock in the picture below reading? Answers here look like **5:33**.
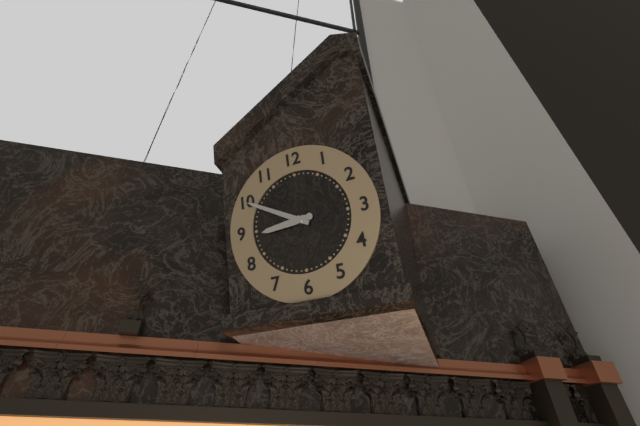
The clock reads **8:50**
